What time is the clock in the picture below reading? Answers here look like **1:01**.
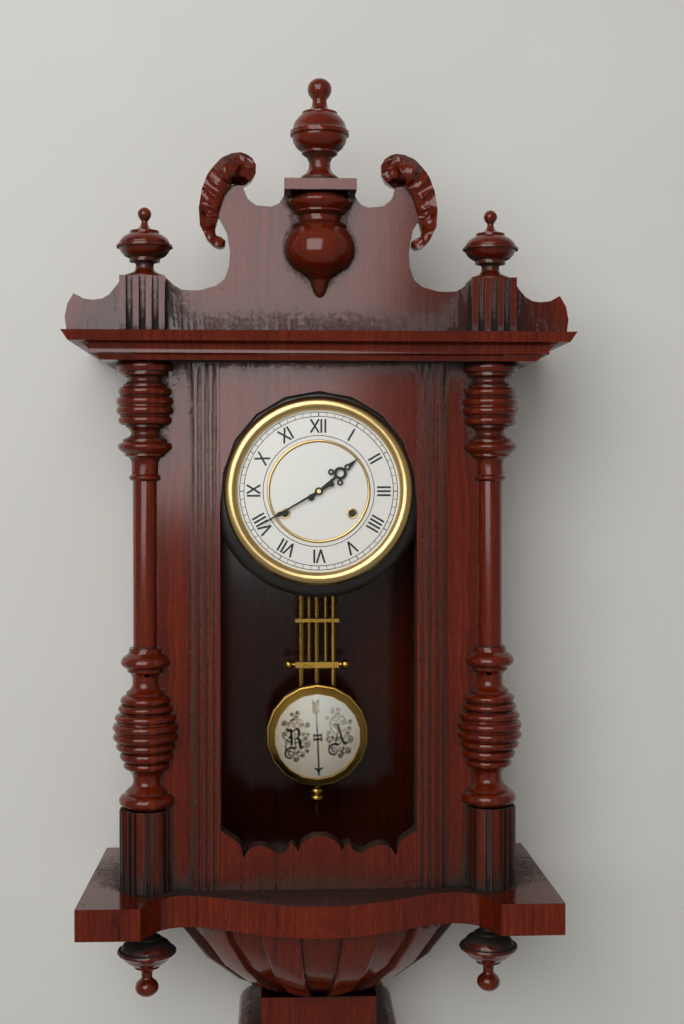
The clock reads **1:40**
